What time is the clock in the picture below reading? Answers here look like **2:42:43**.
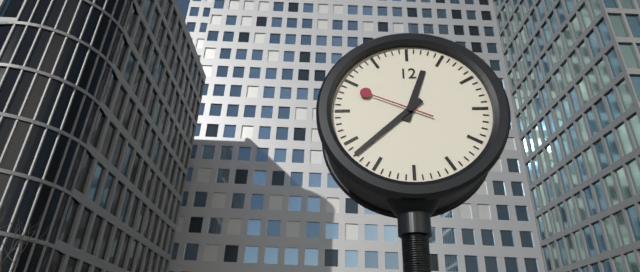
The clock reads **12:38:49**
